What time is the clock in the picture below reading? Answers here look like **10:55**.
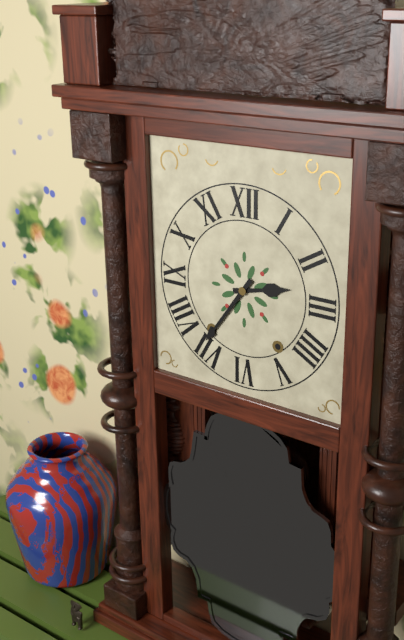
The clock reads **2:36**
